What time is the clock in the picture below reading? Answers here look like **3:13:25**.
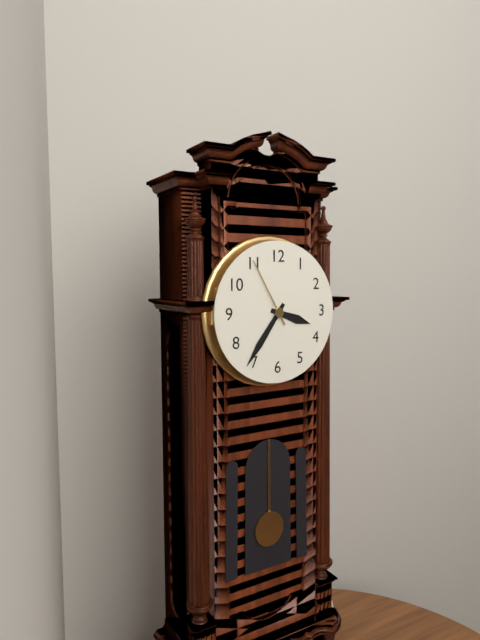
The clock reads **3:36:55**
